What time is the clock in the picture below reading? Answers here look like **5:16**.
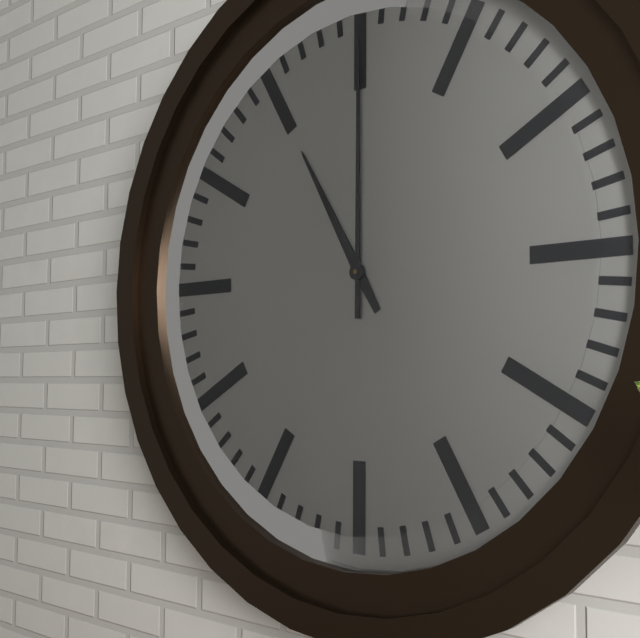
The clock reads **11:00**
